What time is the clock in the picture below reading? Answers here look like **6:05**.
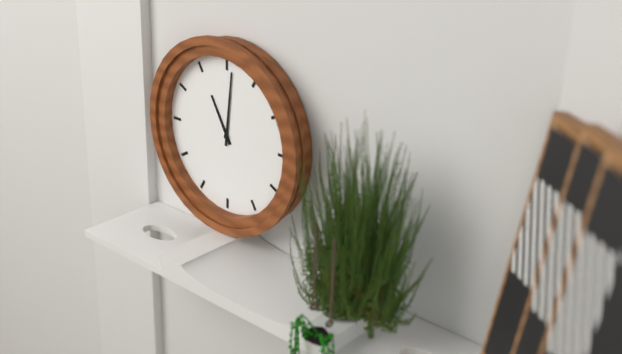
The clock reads **11:01**
